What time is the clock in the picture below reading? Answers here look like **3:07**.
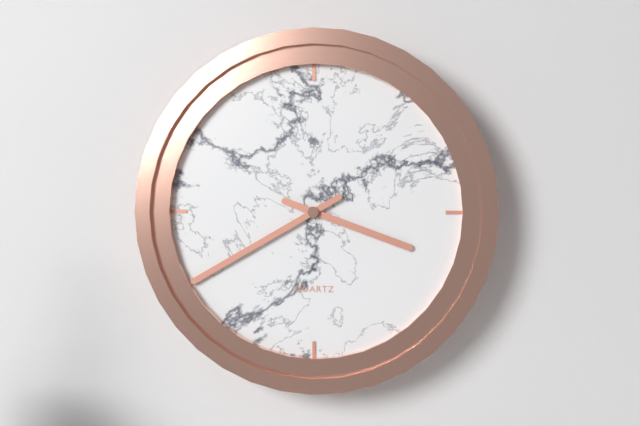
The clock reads **3:40**
